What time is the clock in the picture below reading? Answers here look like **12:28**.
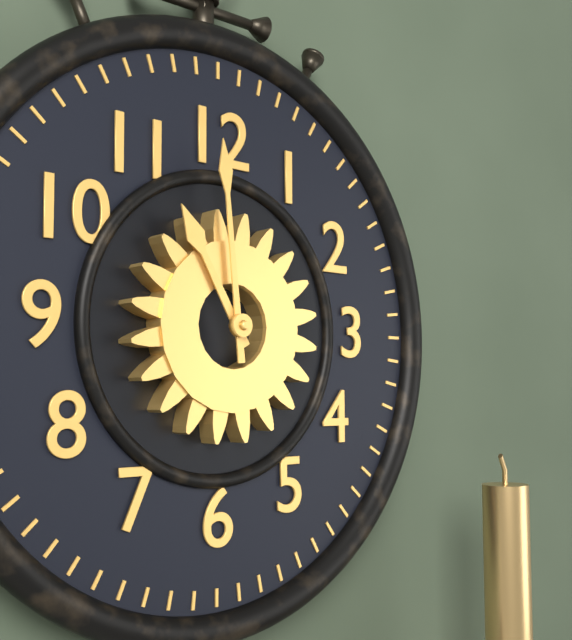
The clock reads **10:59**
